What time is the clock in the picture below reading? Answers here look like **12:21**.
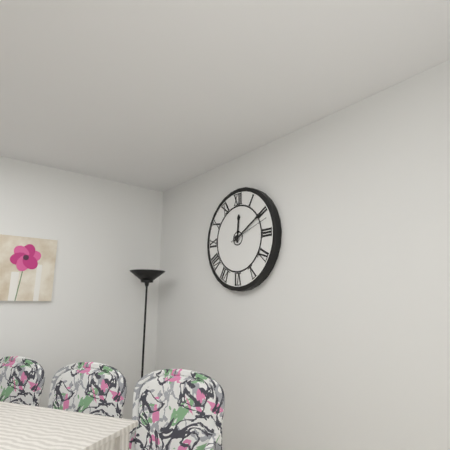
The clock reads **12:10**
